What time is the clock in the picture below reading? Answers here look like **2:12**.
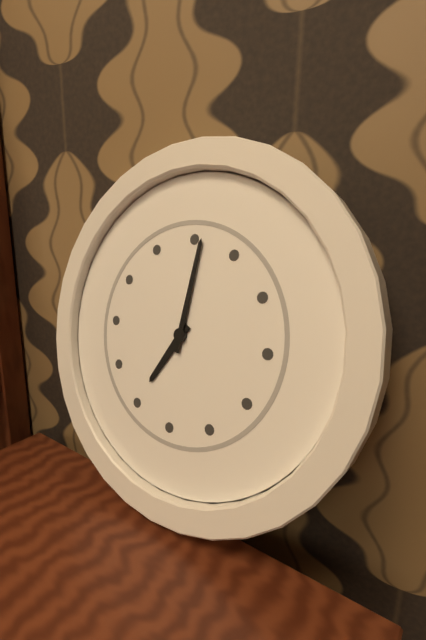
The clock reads **7:01**
